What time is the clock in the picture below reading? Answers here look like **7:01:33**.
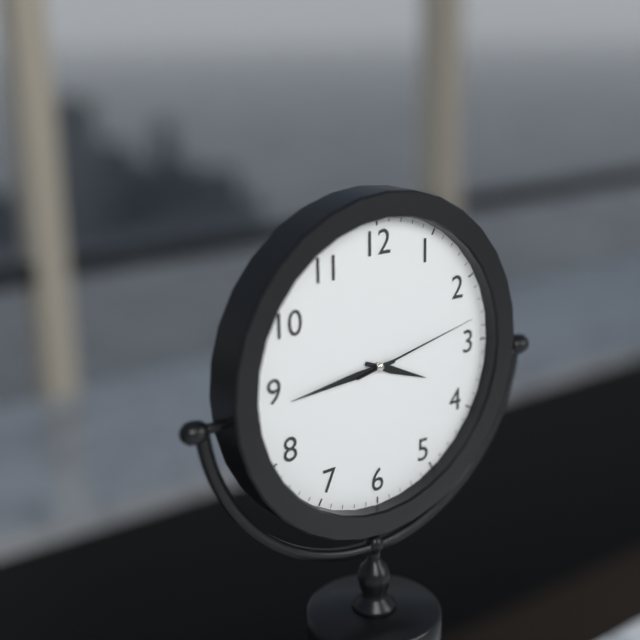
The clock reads **3:44:13**
